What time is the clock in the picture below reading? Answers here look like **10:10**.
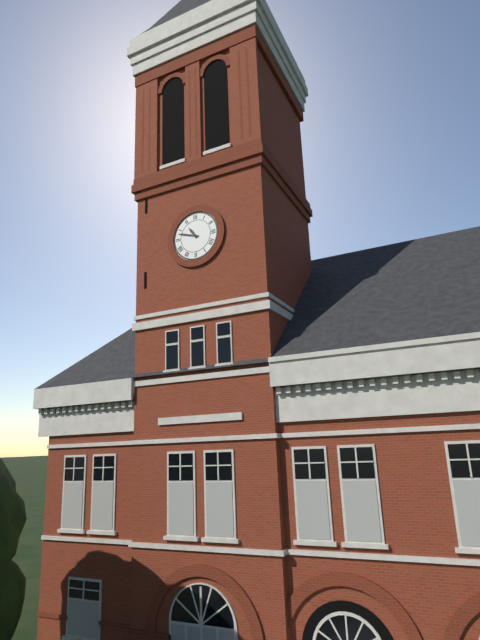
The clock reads **10:48**
